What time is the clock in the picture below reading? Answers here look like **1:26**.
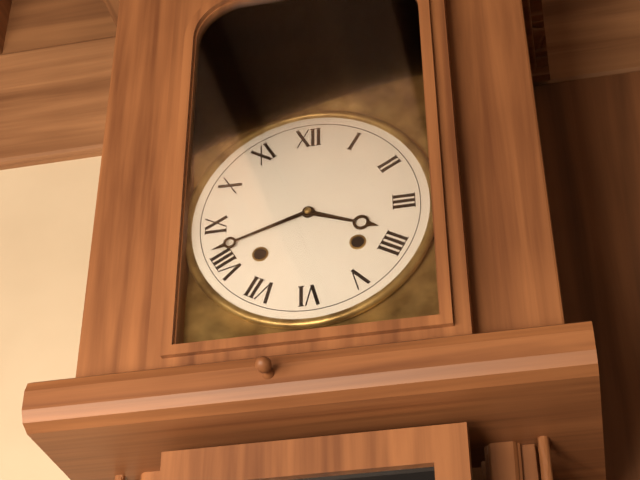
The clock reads **3:42**
